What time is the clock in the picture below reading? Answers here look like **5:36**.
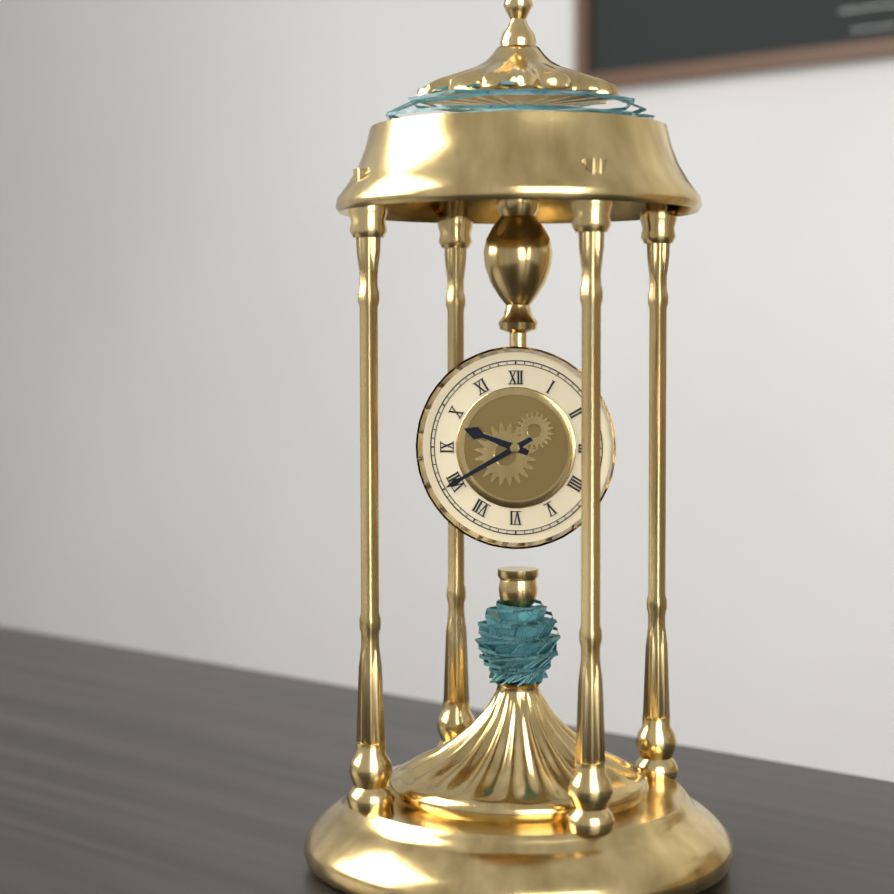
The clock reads **9:40**
